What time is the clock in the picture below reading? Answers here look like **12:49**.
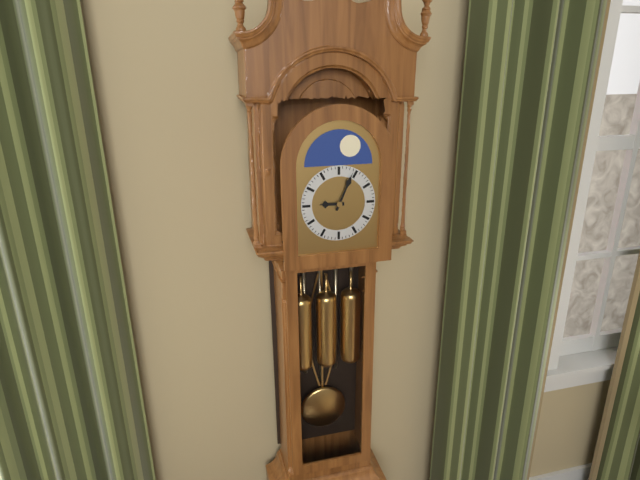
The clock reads **9:04**
